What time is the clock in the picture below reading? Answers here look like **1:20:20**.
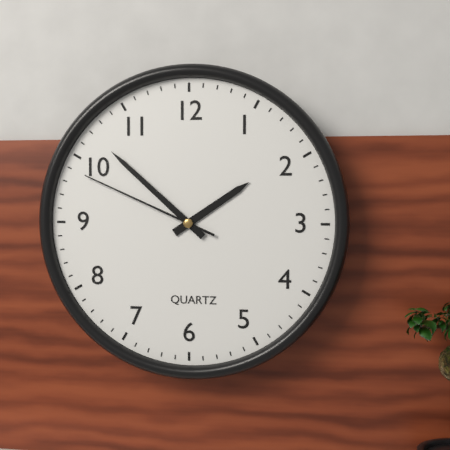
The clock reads **1:52:49**
